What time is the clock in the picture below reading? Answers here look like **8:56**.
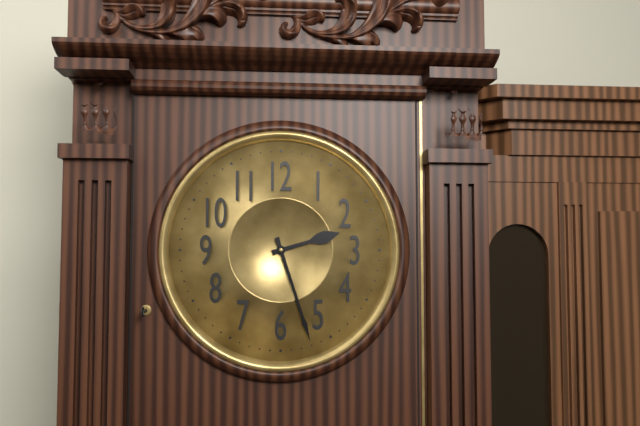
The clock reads **2:27**
